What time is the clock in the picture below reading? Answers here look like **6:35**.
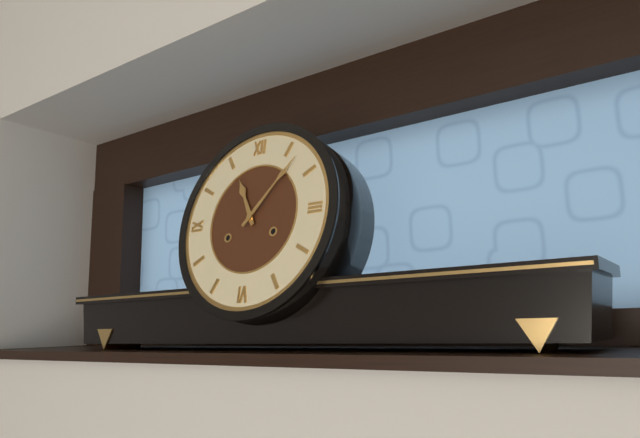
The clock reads **11:07**
